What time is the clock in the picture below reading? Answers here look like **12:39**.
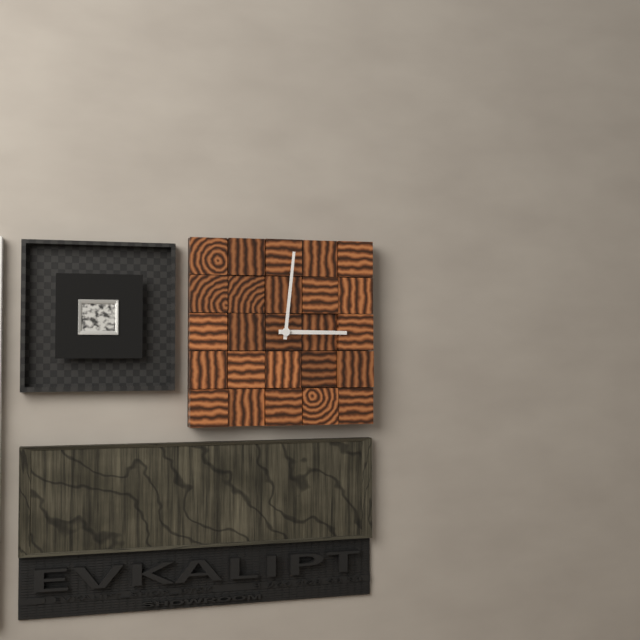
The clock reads **3:01**
